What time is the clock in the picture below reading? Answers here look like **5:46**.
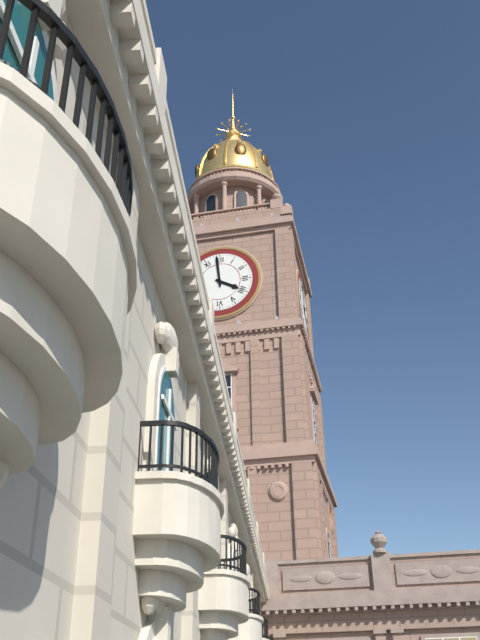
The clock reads **3:59**
